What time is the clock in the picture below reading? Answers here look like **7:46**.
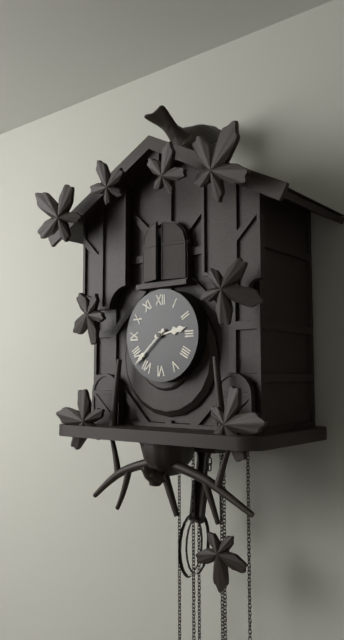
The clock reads **2:38**
